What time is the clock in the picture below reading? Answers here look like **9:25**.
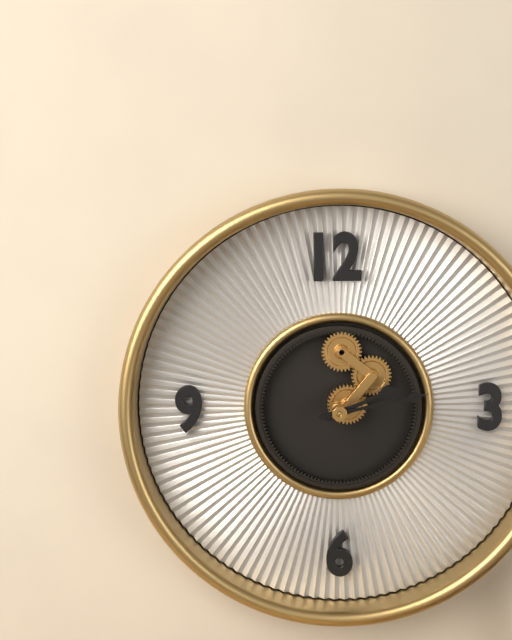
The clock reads **2:13**
